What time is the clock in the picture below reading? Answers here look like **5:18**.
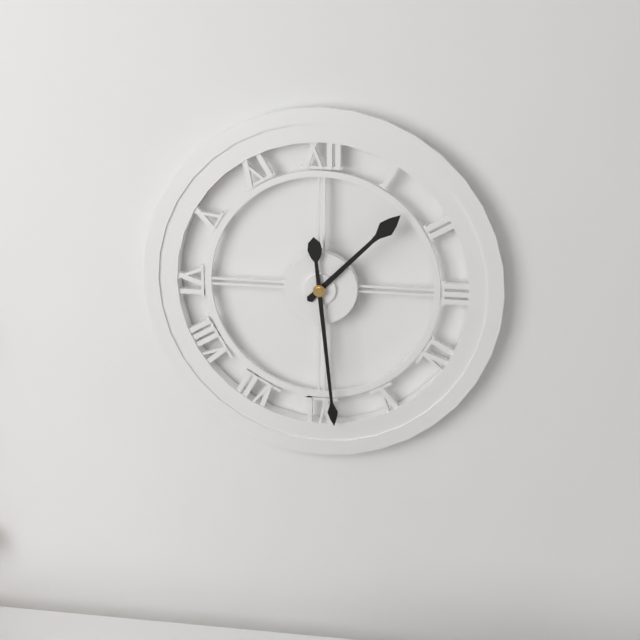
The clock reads **1:29**
